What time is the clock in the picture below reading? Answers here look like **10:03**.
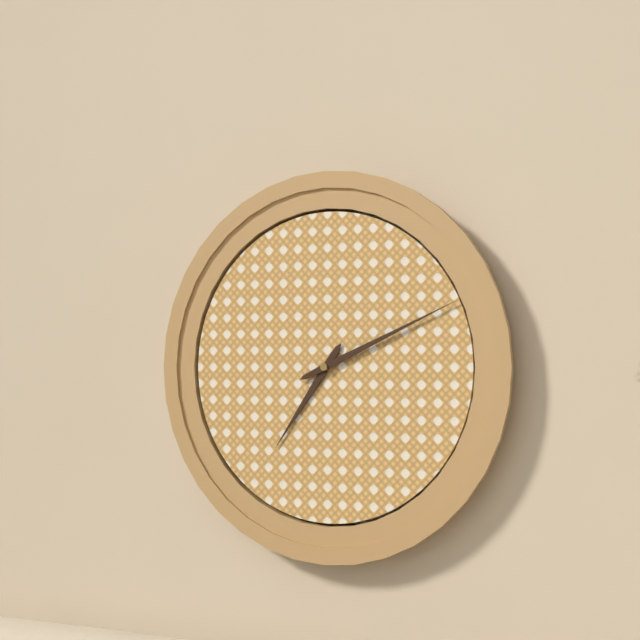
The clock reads **7:11**
